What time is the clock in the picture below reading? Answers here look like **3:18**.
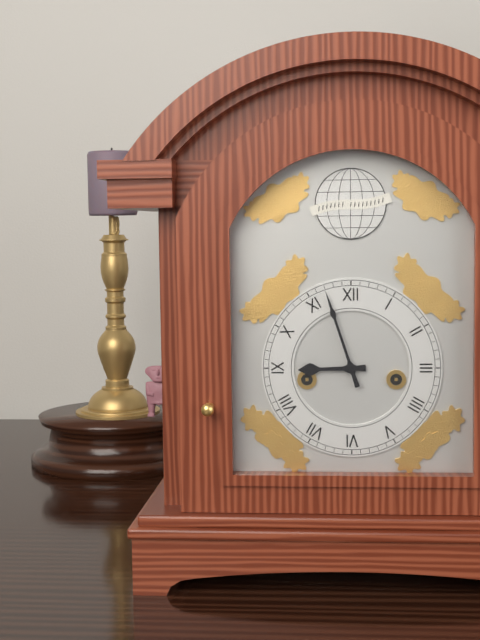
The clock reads **8:57**
